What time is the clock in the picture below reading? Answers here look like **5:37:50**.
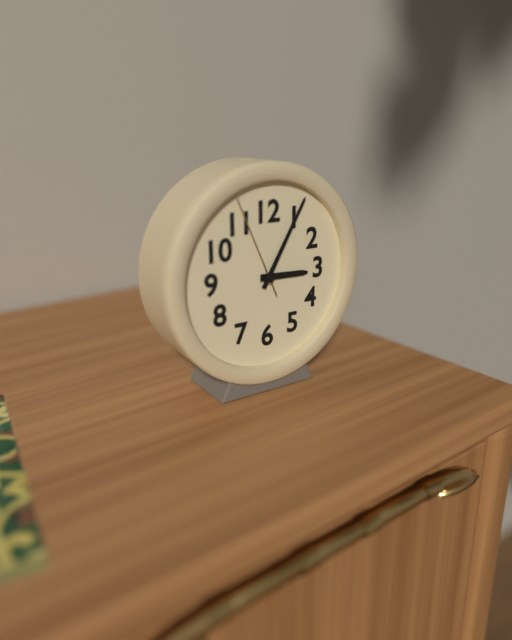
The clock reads **3:05:56**
